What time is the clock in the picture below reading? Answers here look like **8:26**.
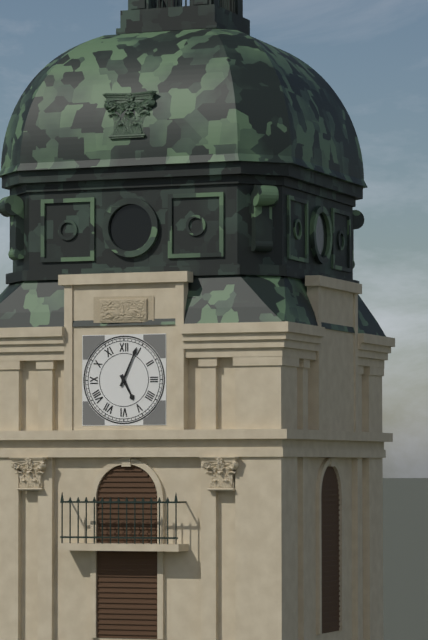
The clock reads **5:04**
